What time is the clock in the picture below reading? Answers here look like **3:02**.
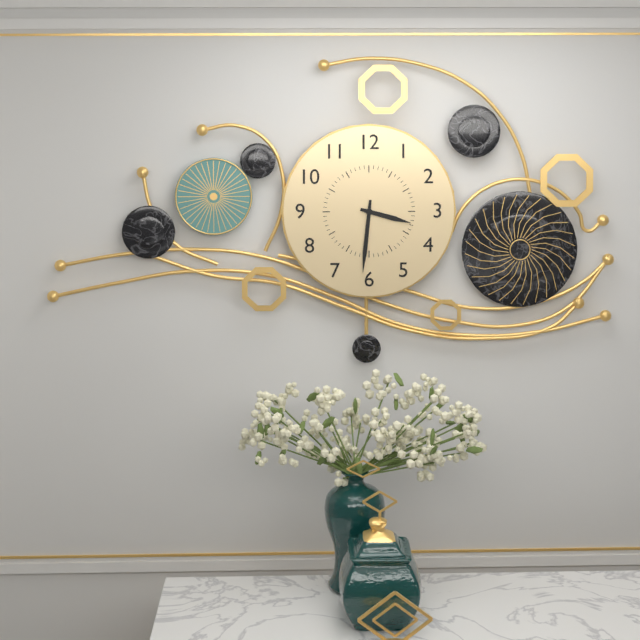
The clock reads **3:31**
